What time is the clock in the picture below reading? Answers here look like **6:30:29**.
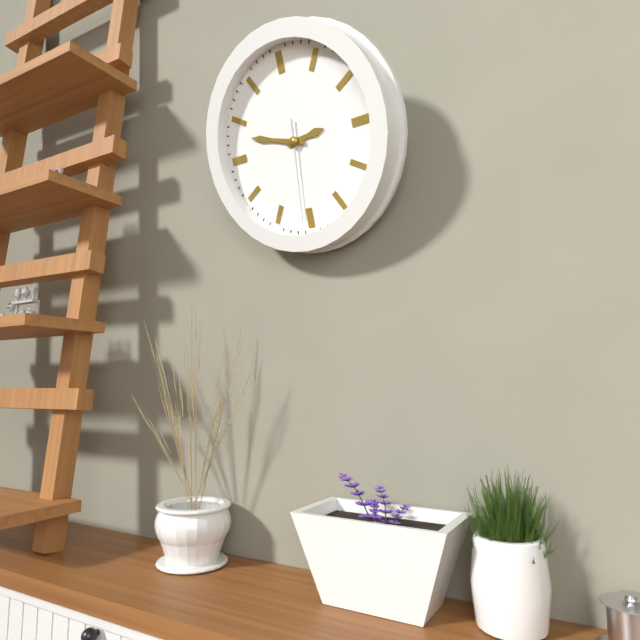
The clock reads **2:48:31**
